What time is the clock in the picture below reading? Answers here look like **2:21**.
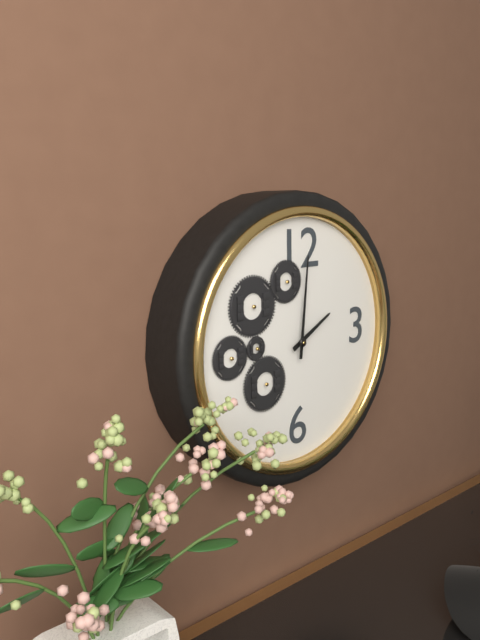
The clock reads **2:01**
